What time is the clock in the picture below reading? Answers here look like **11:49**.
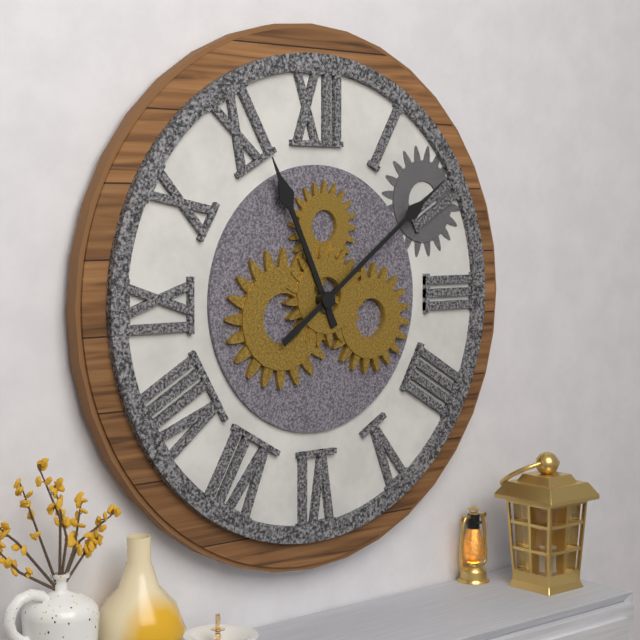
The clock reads **11:09**
